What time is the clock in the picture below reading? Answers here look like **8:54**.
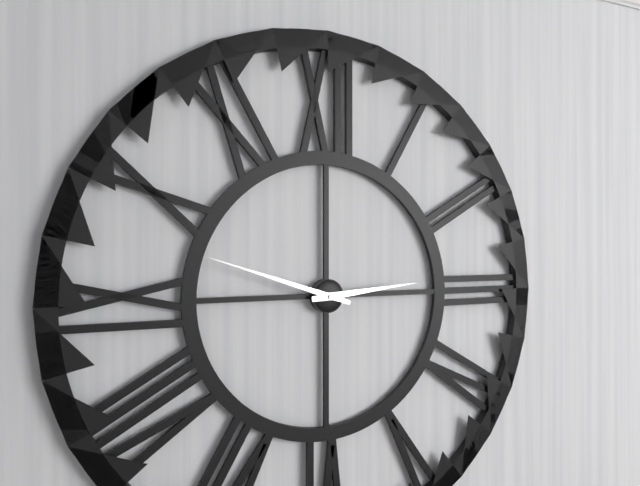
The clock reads **2:48**
